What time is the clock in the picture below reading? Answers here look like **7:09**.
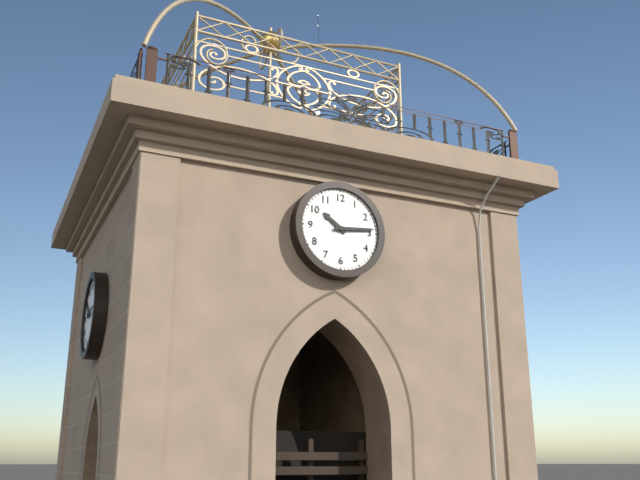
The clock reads **10:14**
